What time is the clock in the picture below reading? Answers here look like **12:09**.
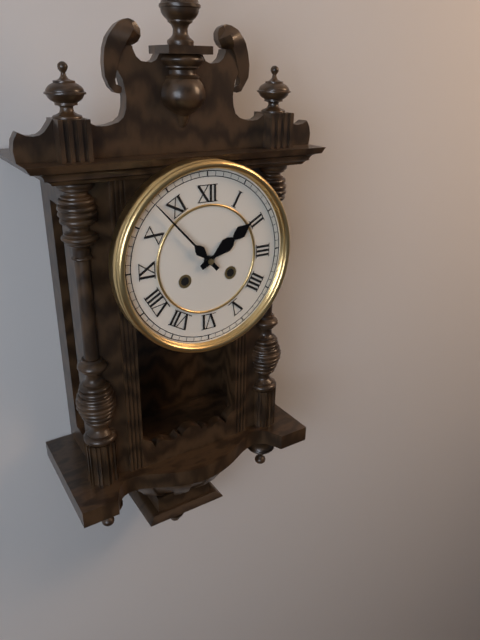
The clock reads **1:53**
